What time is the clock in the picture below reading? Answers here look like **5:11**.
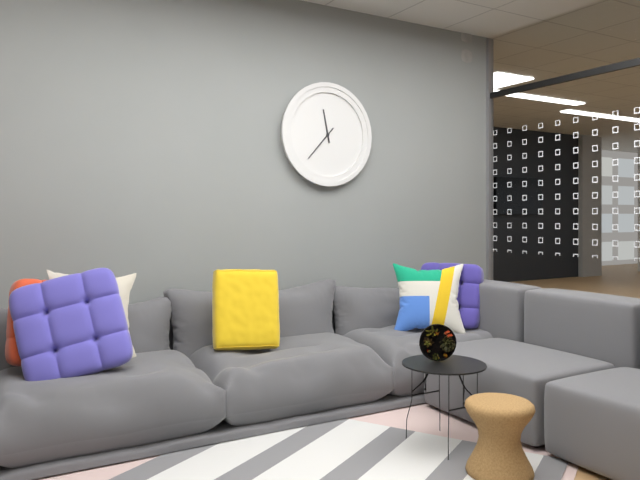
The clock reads **11:37**
